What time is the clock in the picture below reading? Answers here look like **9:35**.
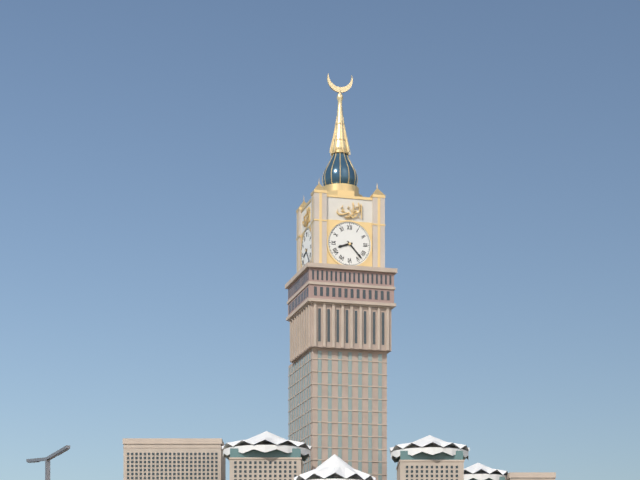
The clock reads **8:23**
